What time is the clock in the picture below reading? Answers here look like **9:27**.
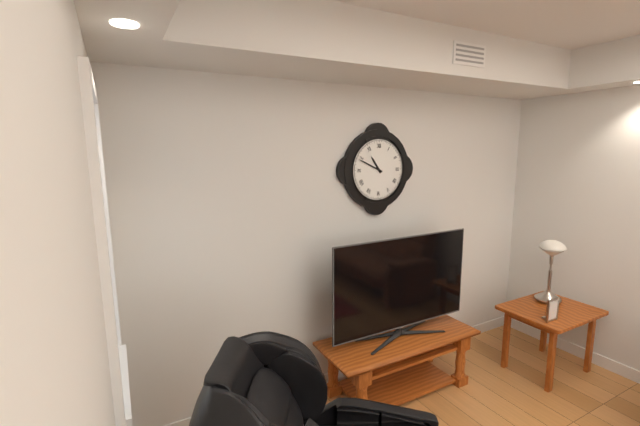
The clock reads **10:49**
